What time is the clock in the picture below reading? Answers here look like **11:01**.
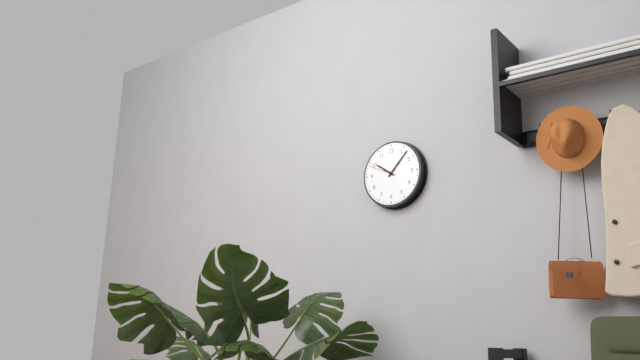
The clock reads **10:07**
